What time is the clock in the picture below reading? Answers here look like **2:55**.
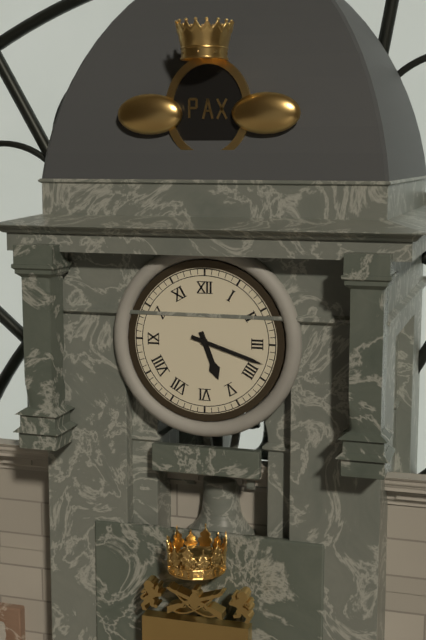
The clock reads **5:18**
